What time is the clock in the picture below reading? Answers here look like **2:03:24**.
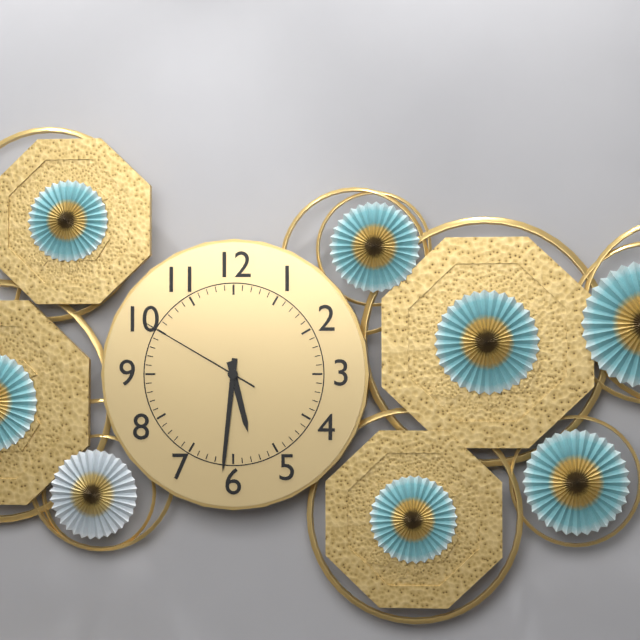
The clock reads **5:31:50**
